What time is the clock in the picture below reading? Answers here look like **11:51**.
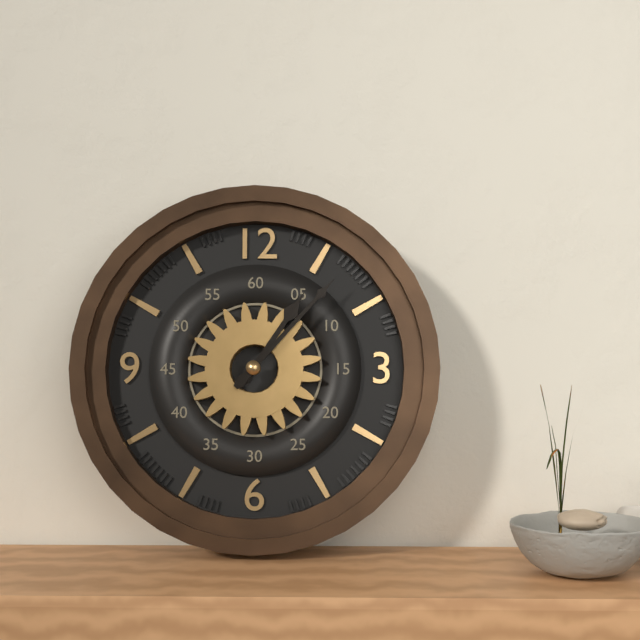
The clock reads **1:07**
